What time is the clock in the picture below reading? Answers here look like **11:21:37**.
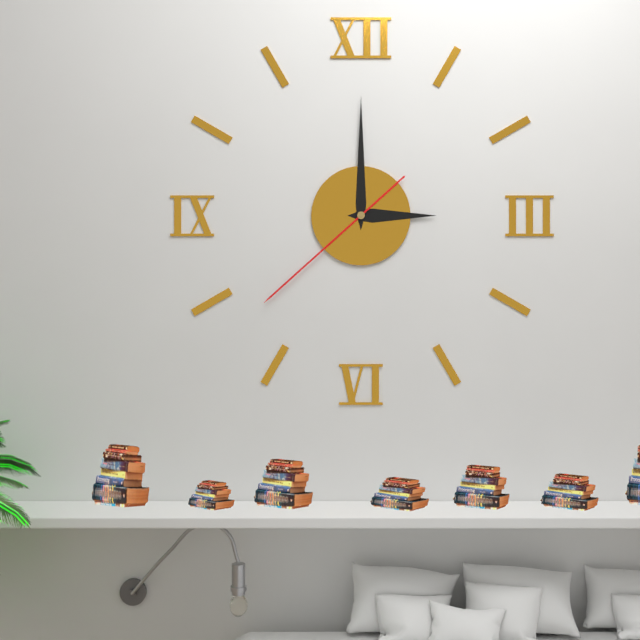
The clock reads **3:00:38**
